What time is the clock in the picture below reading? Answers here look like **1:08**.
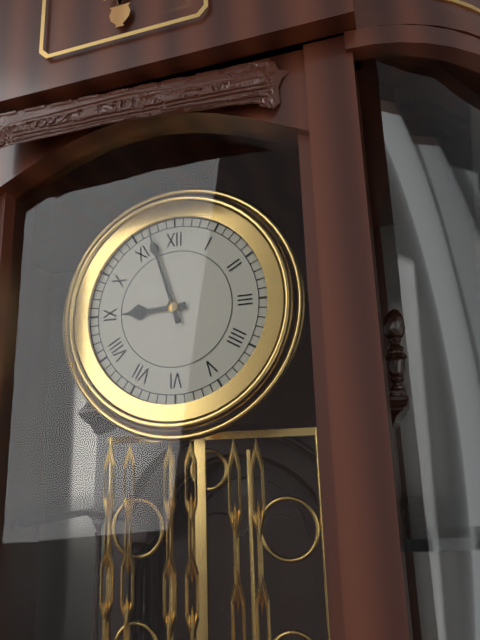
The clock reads **8:57**
